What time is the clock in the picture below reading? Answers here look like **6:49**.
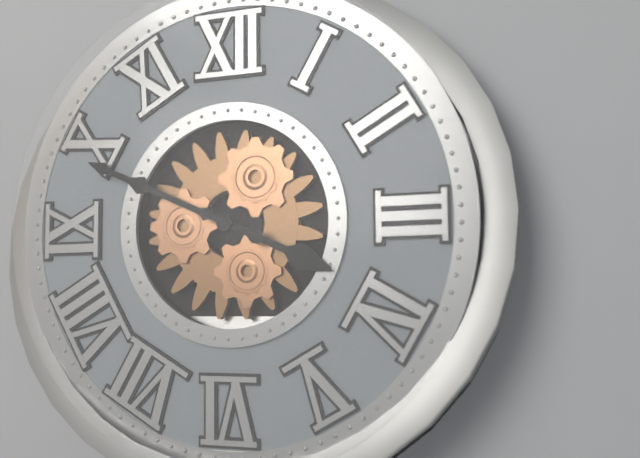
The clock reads **3:49**
